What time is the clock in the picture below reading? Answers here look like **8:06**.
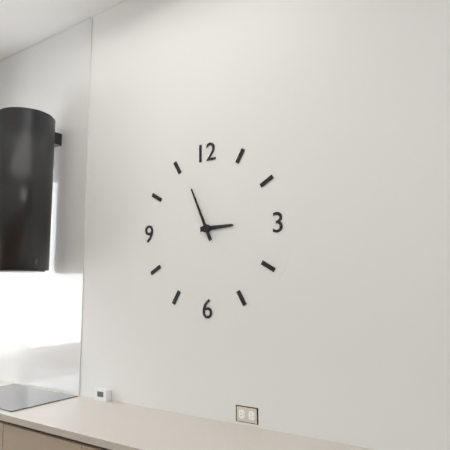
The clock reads **2:56**
